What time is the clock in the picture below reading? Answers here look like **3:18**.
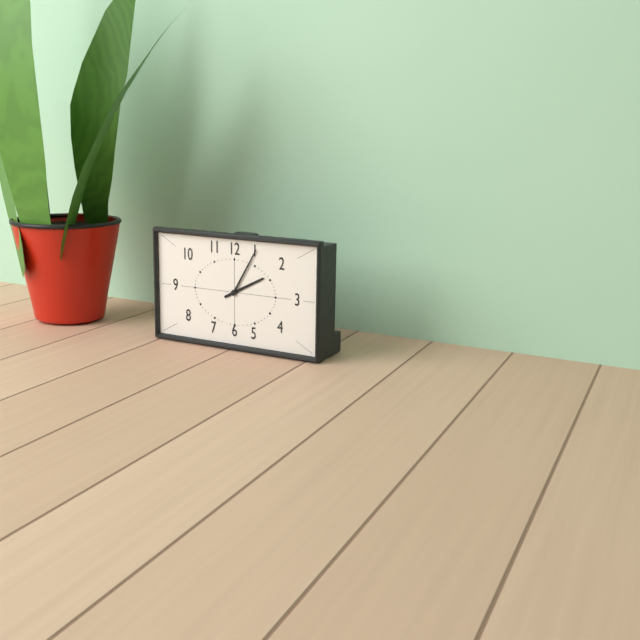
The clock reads **2:05**
